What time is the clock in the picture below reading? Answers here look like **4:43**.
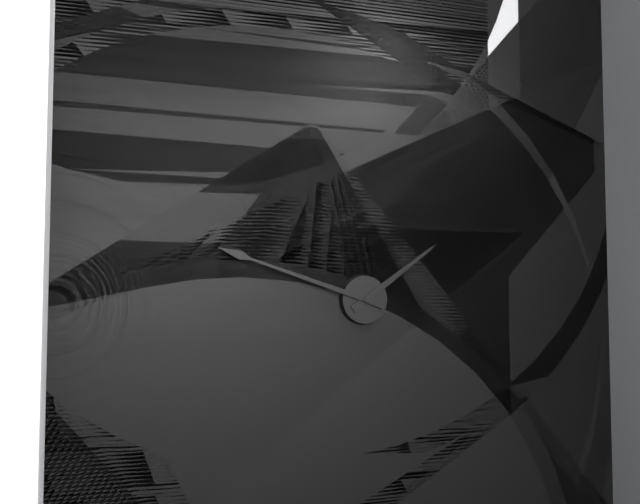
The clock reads **1:48**
